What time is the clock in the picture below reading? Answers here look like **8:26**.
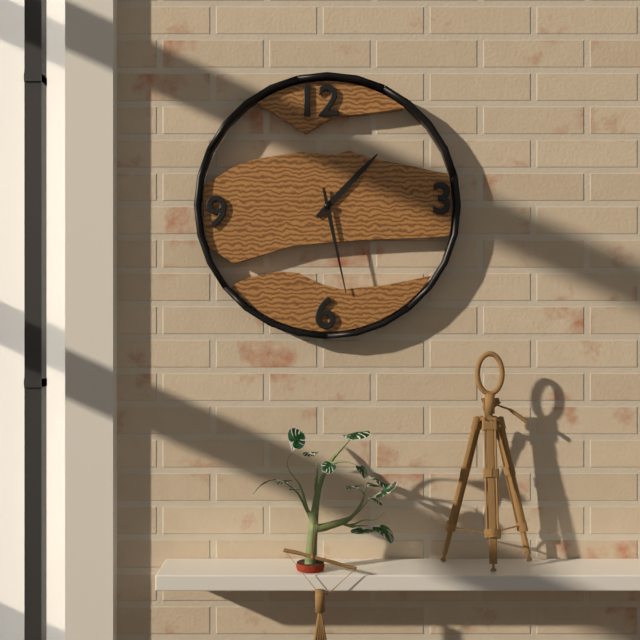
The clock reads **1:28**
